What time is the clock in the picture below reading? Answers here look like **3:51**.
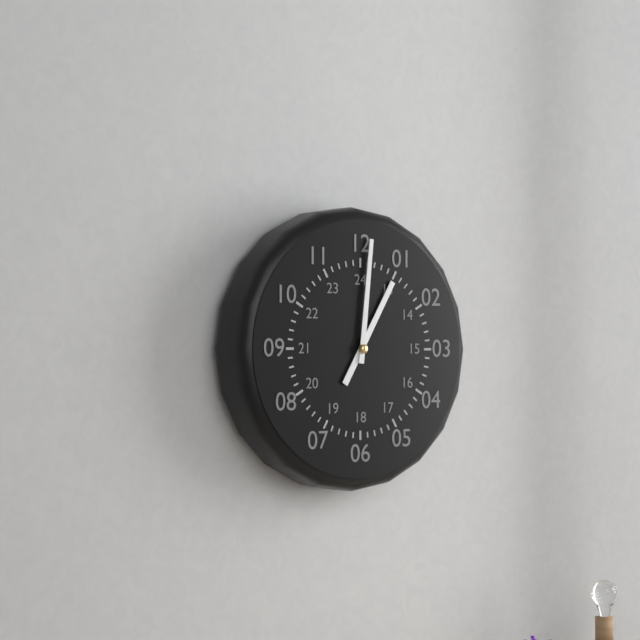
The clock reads **1:01**
